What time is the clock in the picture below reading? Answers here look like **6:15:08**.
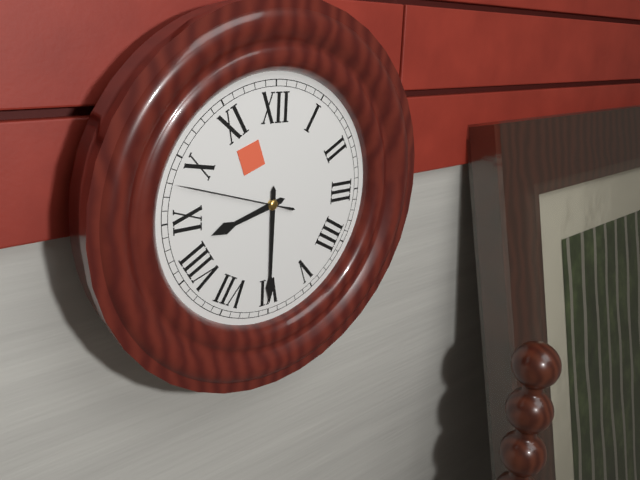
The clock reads **8:30:48**
